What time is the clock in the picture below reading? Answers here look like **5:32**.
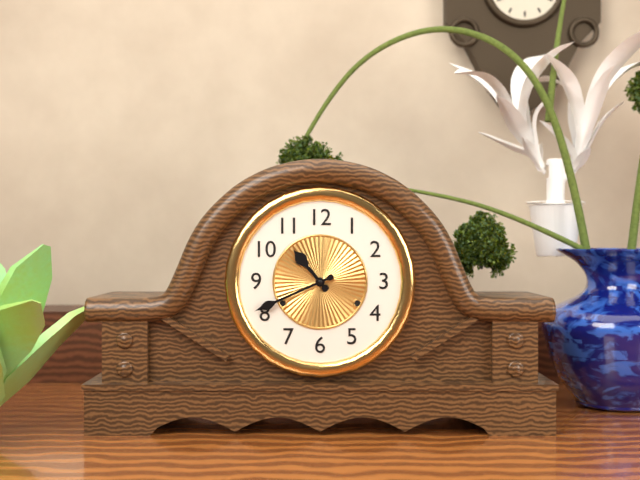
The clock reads **10:41**
